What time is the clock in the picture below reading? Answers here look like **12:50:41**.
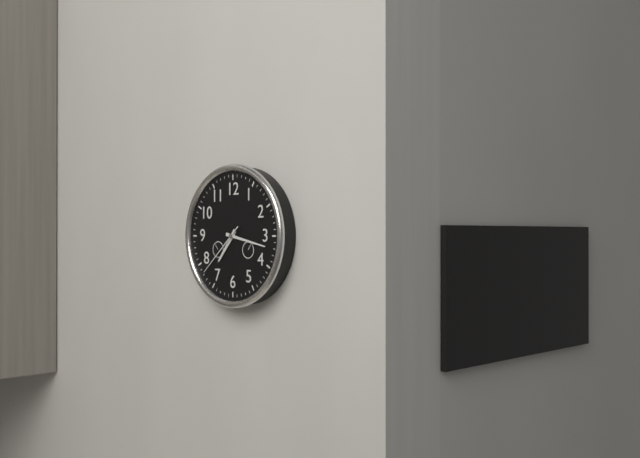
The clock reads **7:17:38**
